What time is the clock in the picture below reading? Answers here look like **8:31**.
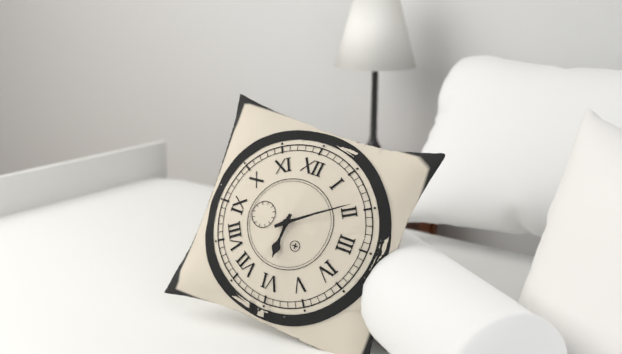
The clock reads **6:09**
